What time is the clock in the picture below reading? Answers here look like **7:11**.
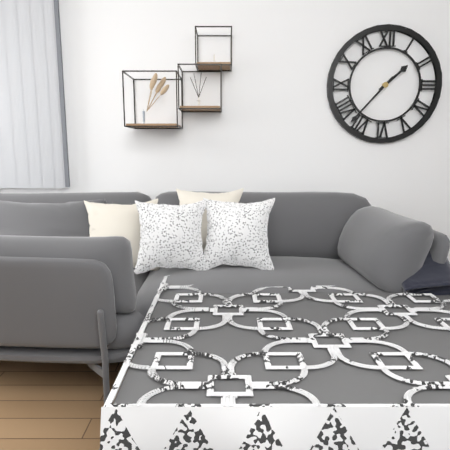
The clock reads **1:37**
